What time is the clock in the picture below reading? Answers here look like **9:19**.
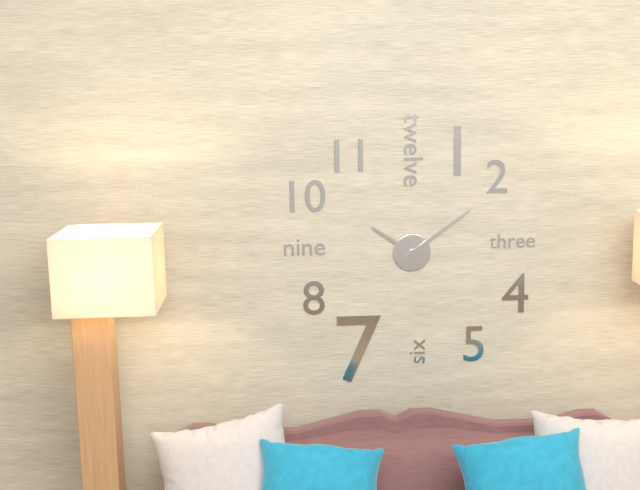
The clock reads **10:09**
